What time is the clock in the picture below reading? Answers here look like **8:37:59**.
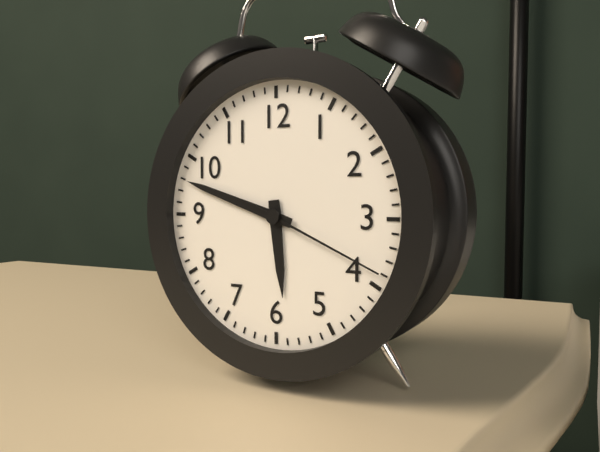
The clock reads **5:48:19**
